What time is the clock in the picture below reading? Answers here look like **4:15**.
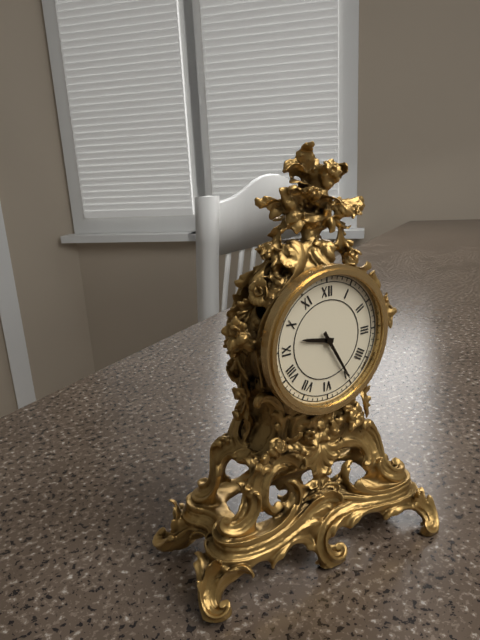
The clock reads **9:25**
